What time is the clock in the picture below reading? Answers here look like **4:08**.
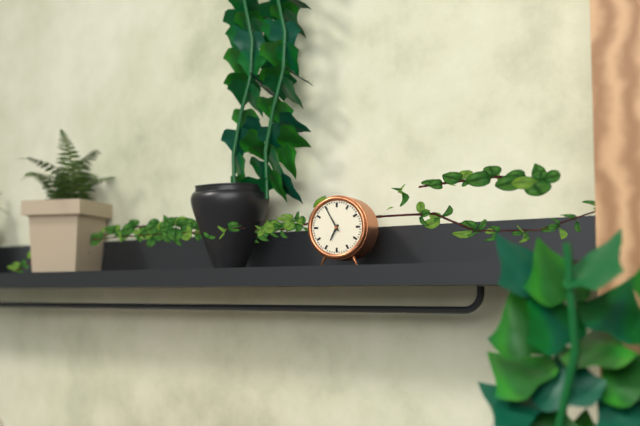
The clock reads **6:55**
